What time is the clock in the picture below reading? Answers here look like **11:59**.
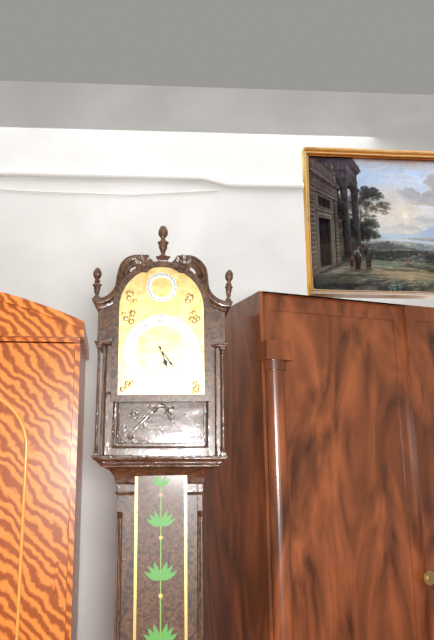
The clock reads **5:24**
